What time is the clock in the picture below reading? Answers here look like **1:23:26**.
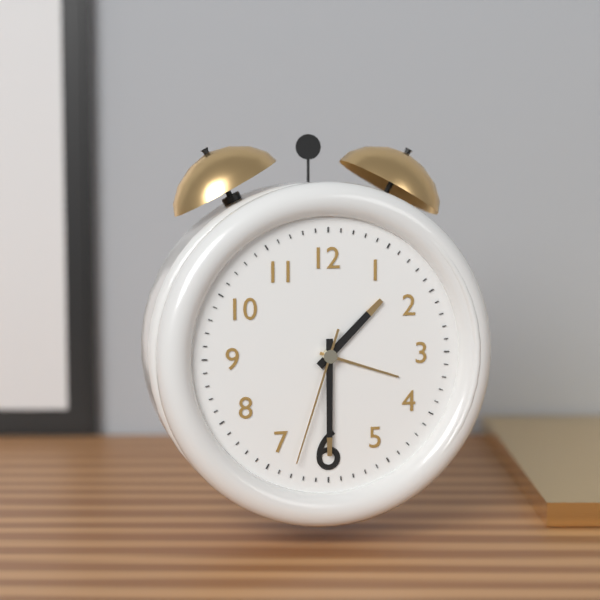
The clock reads **1:30:33**
